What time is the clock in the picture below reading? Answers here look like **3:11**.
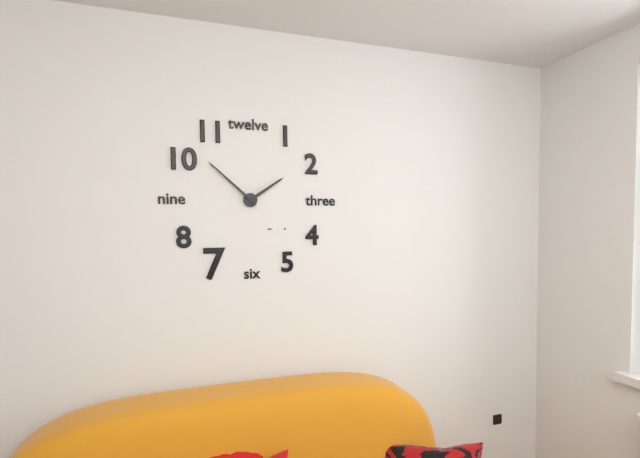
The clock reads **1:52**
